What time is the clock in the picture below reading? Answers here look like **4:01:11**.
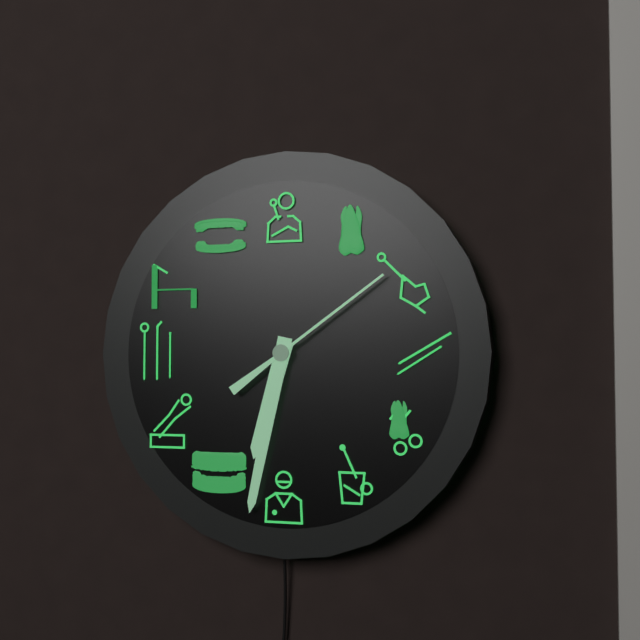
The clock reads **6:32:09**
